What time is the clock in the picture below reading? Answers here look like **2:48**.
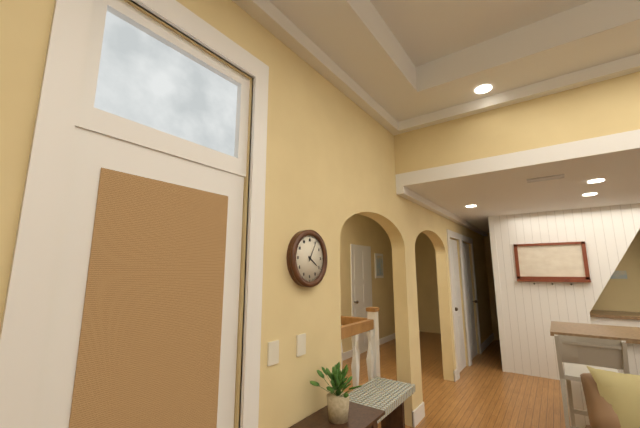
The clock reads **4:05**
